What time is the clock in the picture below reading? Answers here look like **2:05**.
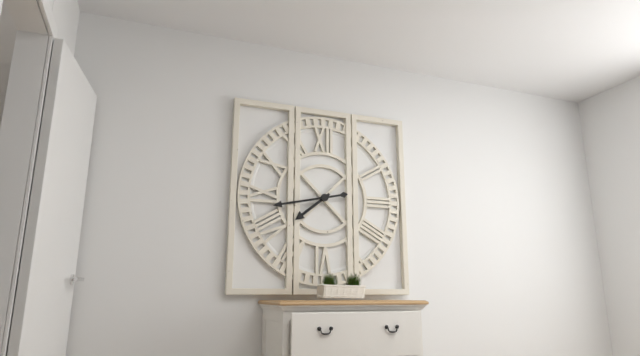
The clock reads **7:43**
